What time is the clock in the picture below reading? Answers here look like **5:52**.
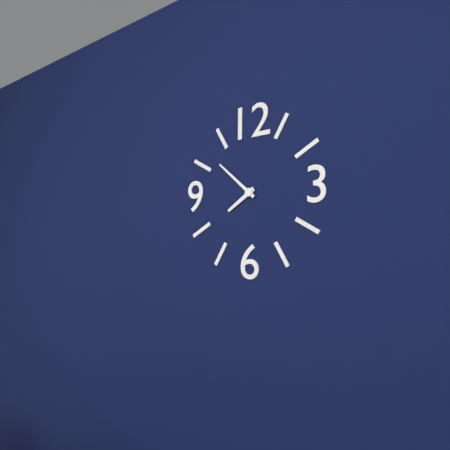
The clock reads **7:52**
